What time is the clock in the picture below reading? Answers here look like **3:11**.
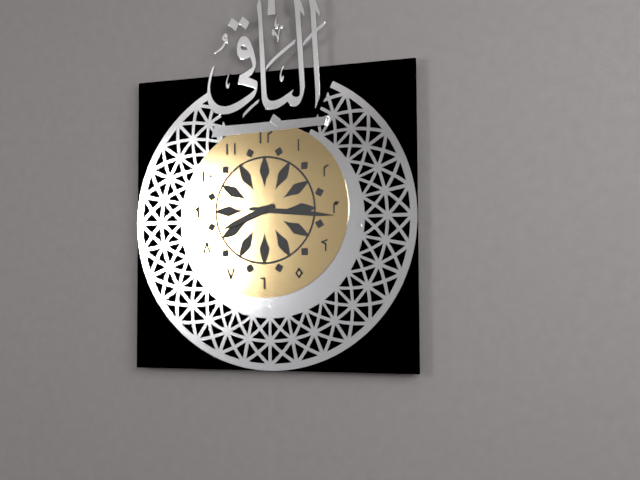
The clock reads **8:16**
